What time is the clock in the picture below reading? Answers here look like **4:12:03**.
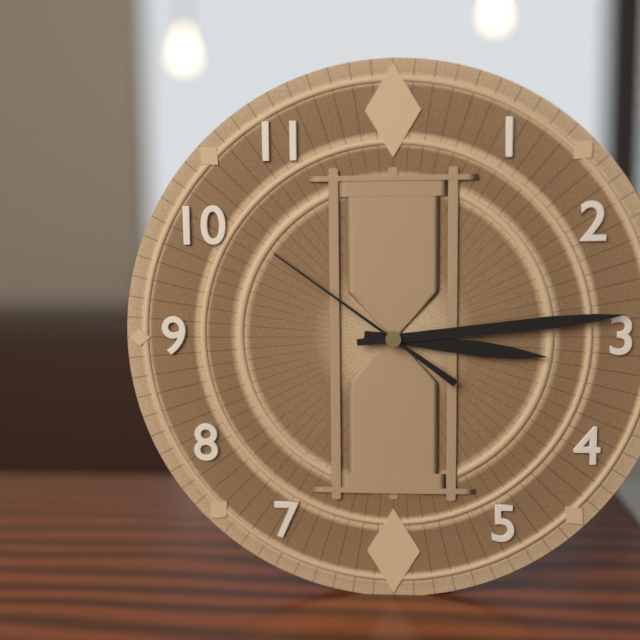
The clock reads **3:14:51**
